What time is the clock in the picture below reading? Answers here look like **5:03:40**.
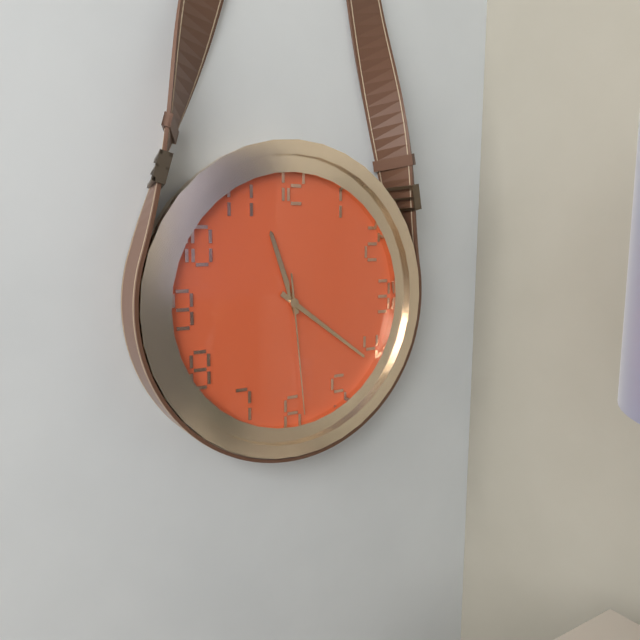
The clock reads **11:21:29**
